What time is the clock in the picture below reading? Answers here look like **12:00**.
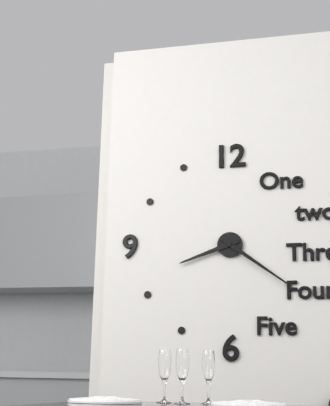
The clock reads **8:21**
